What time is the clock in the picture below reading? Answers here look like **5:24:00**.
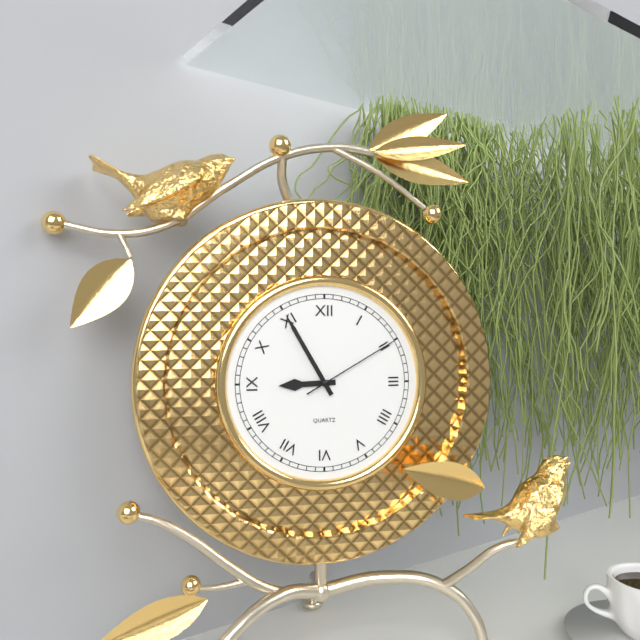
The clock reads **8:55:10**
